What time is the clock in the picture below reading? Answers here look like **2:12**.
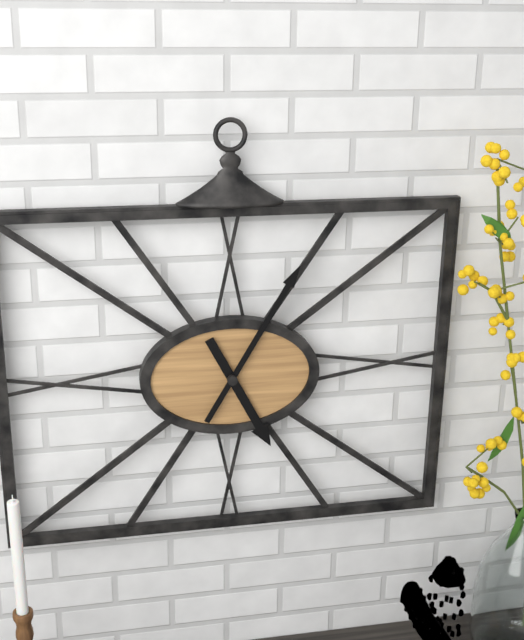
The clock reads **5:05**
